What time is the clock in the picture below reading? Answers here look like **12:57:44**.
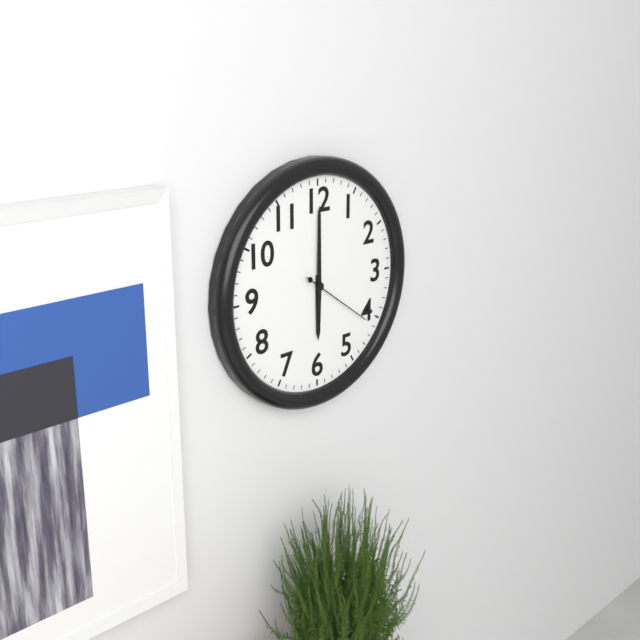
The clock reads **6:00:21**
